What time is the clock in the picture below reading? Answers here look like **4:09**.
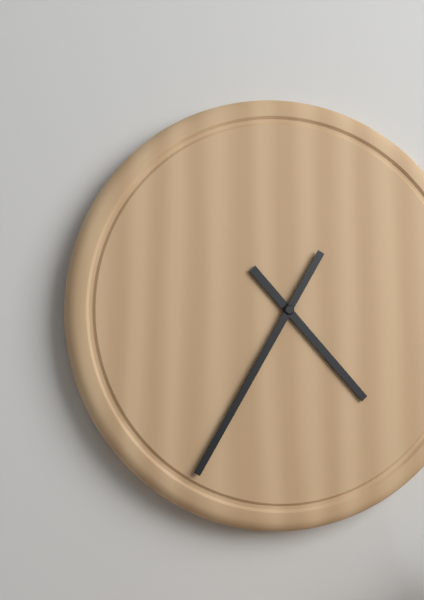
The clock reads **4:35**
